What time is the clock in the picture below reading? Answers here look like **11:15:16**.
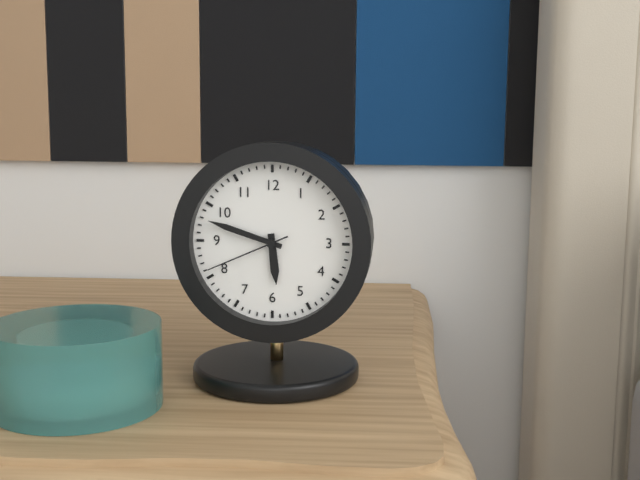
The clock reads **5:48:41**
